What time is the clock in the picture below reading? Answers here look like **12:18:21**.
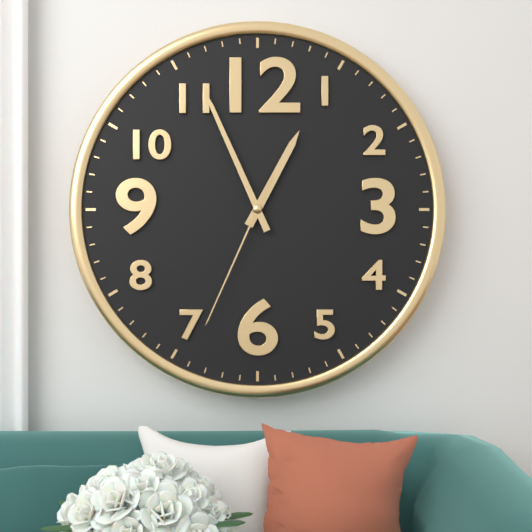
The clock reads **12:56:34**
